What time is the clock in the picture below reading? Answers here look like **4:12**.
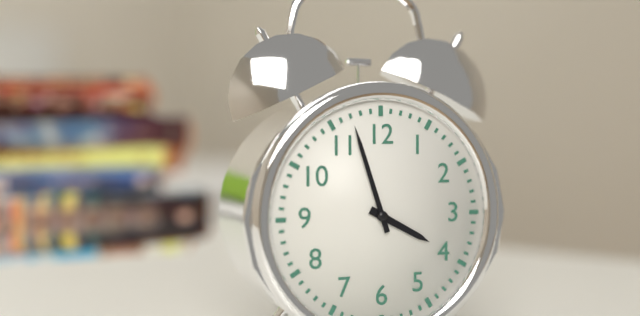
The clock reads **3:57**
